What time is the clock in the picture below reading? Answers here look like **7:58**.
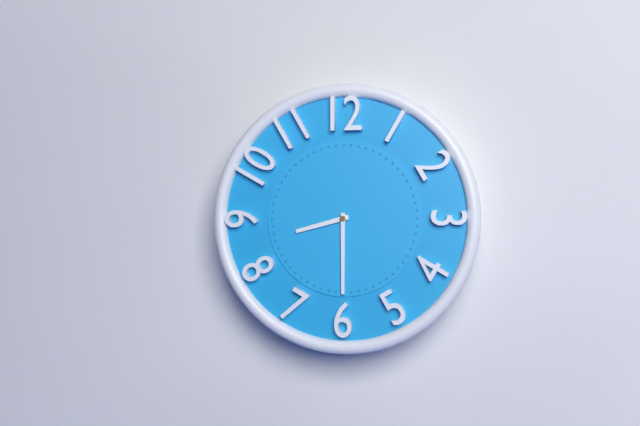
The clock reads **8:30**
